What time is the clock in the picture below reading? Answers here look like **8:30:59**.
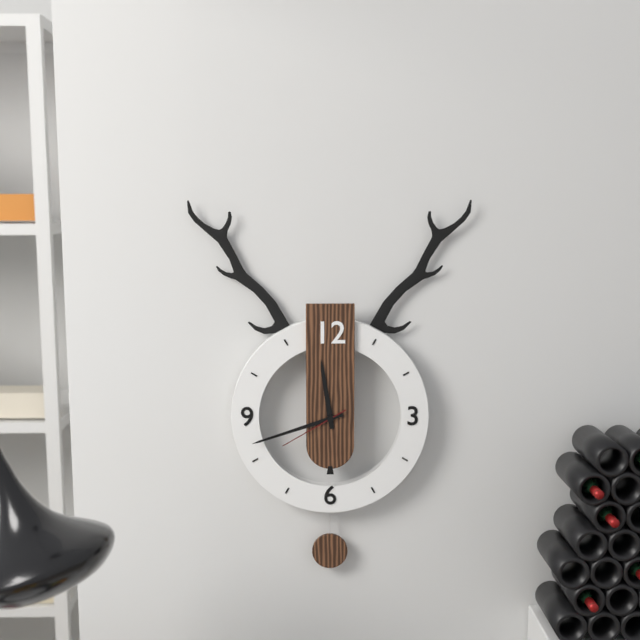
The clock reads **11:42:40**
